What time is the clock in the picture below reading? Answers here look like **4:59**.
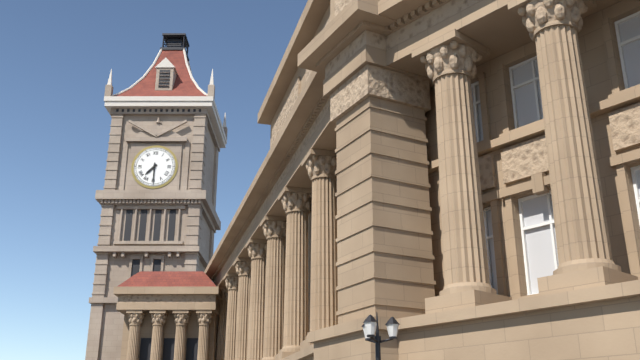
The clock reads **7:30**
